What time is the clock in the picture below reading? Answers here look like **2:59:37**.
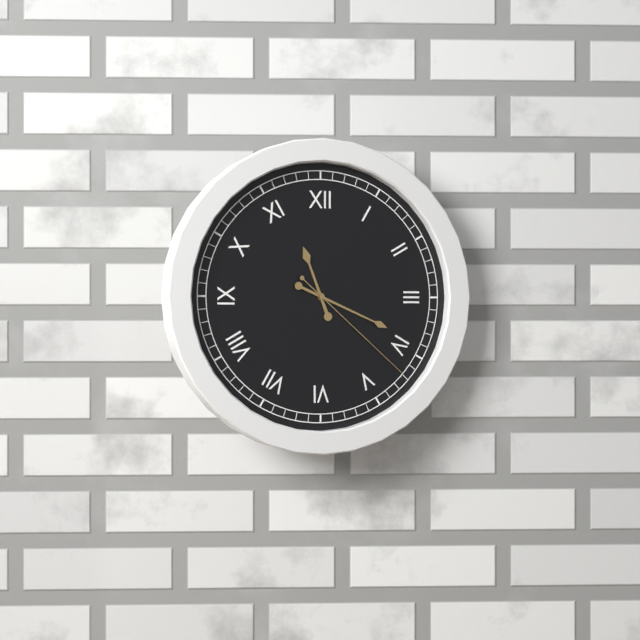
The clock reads **11:19:22**
